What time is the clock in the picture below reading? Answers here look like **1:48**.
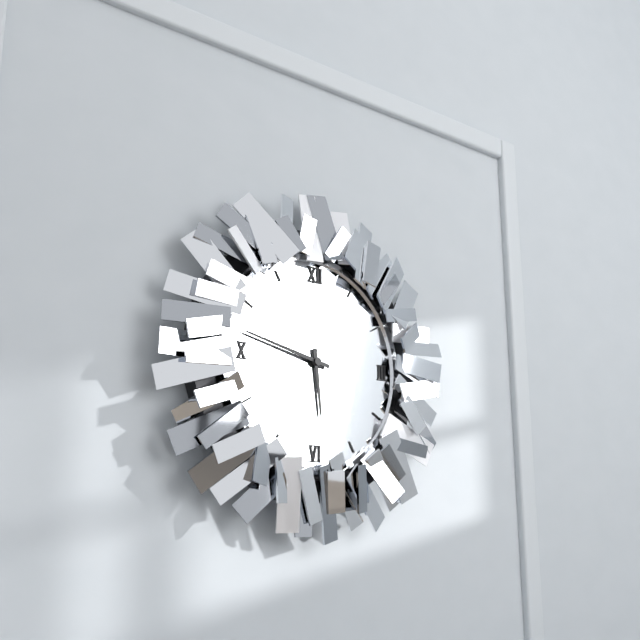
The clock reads **5:47**
